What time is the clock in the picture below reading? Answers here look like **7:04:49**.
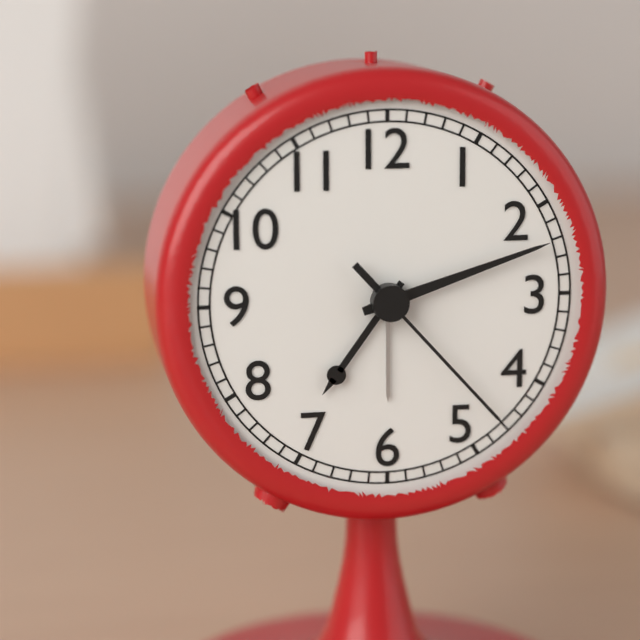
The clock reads **7:12:23**
